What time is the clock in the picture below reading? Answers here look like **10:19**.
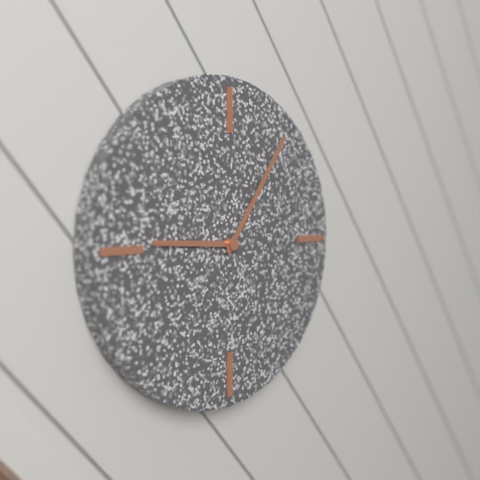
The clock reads **9:06**
